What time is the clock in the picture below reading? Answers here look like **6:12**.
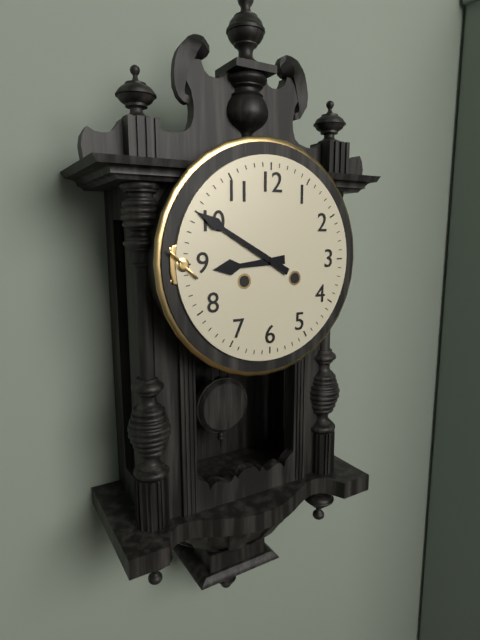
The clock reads **8:50**
